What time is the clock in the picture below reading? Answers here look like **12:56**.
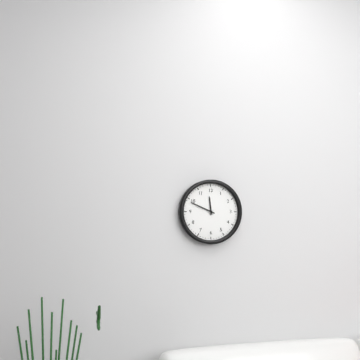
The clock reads **11:49**
